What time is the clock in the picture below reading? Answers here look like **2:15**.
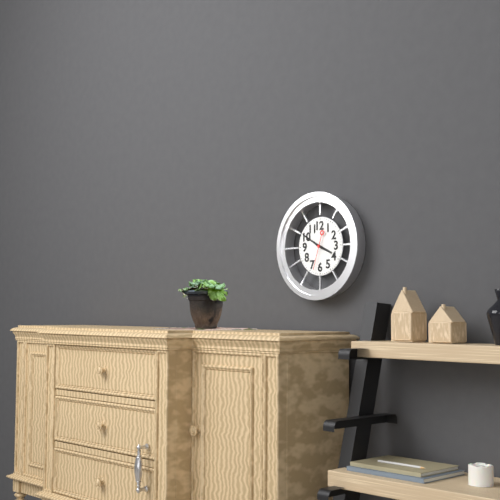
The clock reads **3:50**
